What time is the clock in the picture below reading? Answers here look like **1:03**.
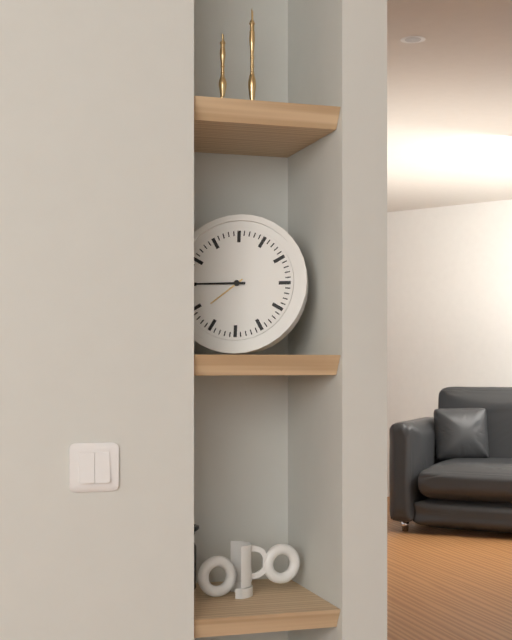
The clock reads **7:45**
